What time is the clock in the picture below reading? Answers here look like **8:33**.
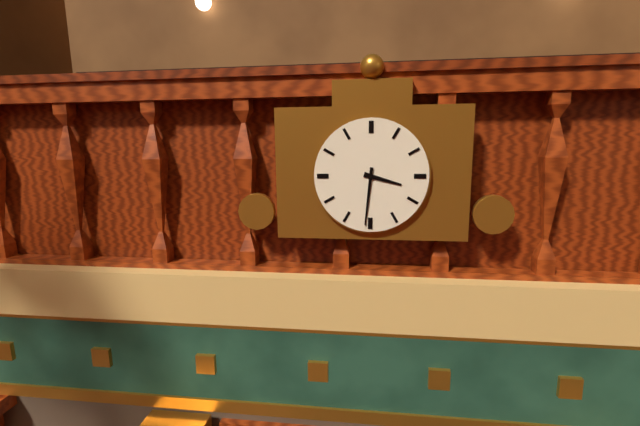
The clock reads **3:31**
